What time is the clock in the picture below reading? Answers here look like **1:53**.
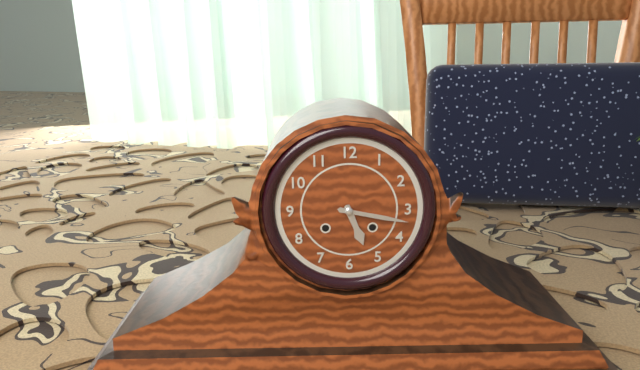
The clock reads **5:17**
